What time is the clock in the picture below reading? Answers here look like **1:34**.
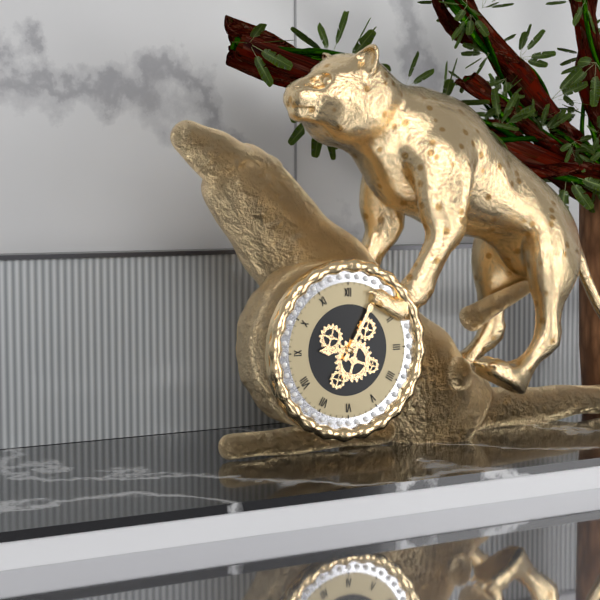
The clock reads **9:05**
